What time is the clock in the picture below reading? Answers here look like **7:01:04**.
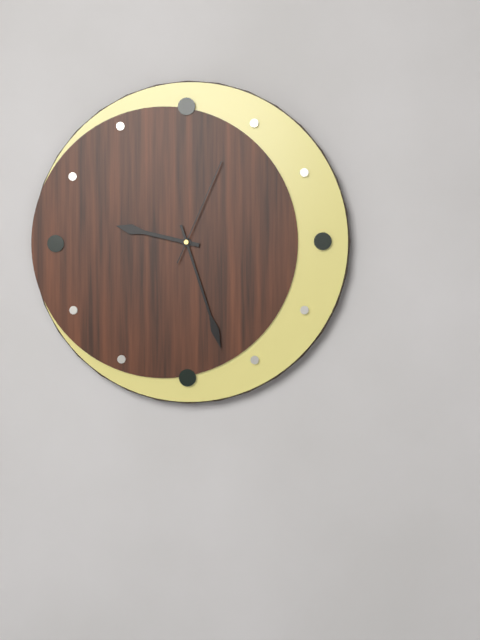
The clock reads **9:27:04**
